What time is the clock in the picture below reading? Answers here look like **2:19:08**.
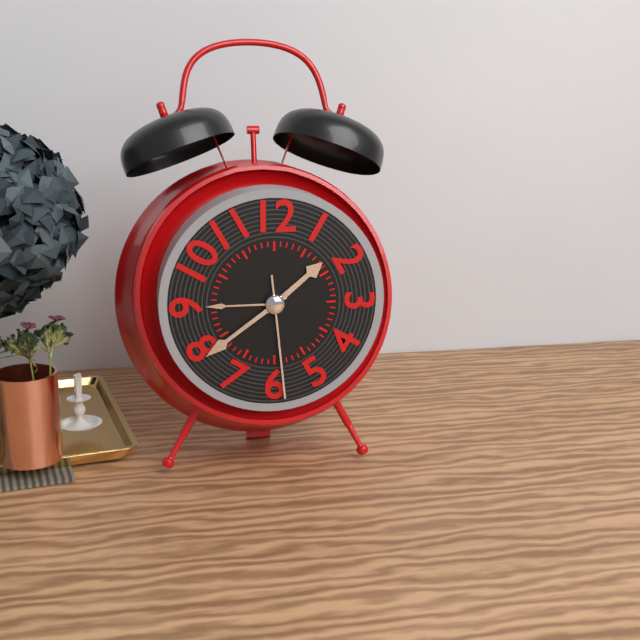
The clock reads **1:39:29**
